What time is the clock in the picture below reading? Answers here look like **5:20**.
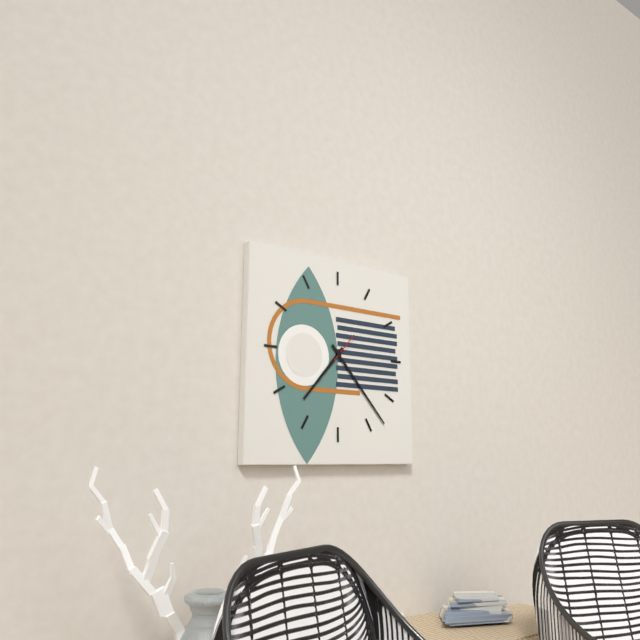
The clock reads **7:23**
